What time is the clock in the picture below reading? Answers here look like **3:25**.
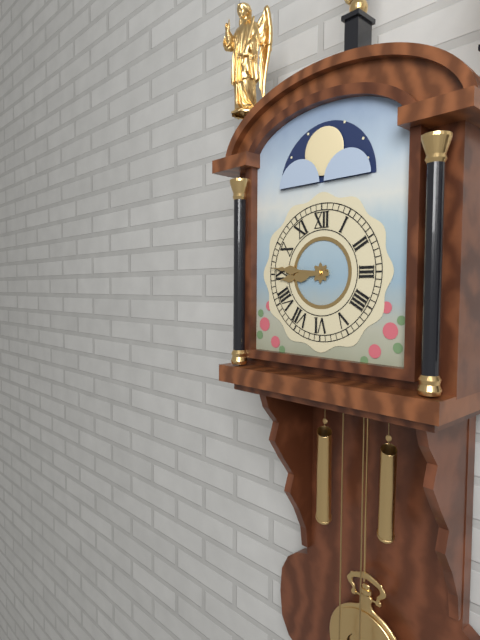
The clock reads **8:46**
